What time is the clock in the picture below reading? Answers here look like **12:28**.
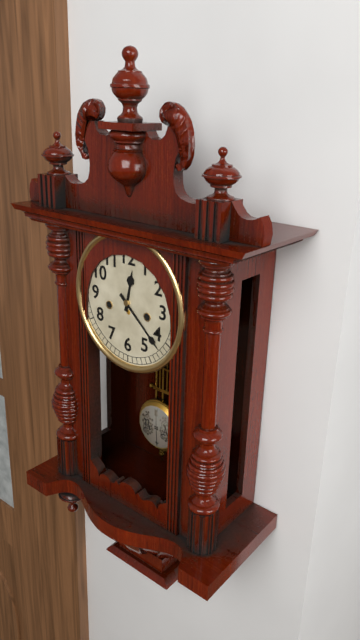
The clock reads **12:22**
